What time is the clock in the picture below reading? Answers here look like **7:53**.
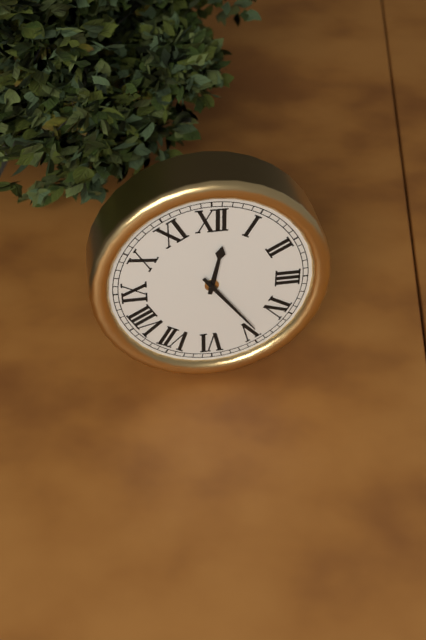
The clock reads **12:24**
